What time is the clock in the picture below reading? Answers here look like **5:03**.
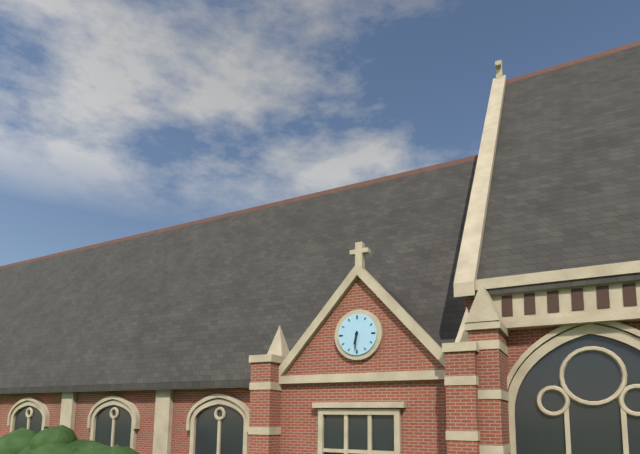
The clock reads **6:31**
